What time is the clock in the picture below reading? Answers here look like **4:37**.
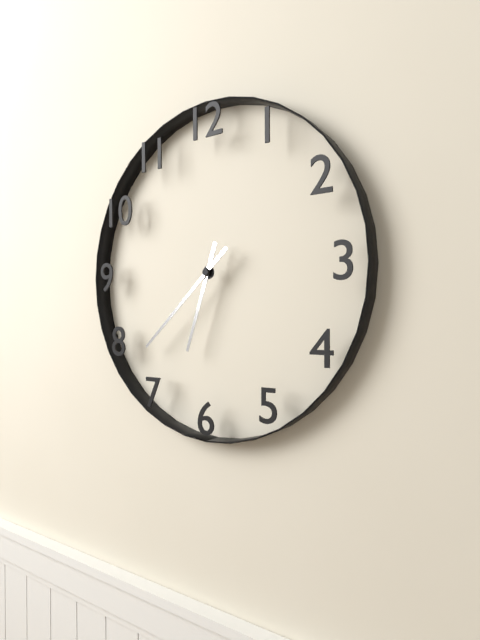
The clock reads **6:38**
